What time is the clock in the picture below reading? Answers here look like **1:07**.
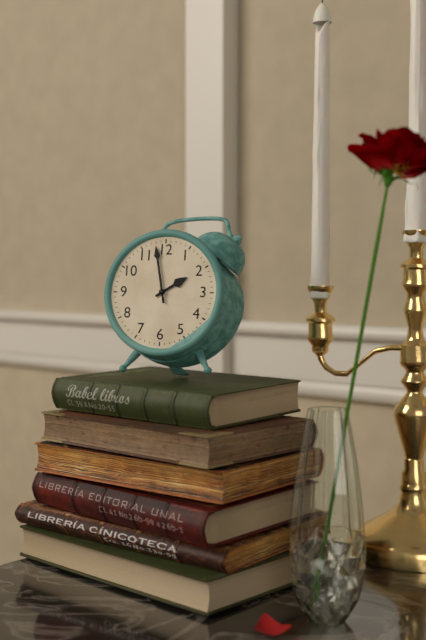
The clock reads **1:58**
